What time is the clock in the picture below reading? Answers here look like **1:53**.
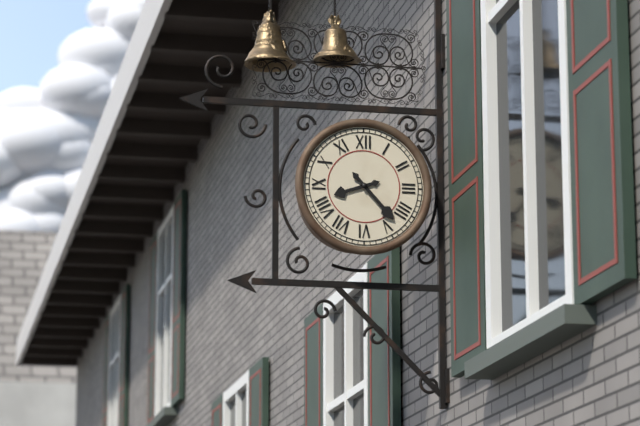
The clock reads **8:23**
